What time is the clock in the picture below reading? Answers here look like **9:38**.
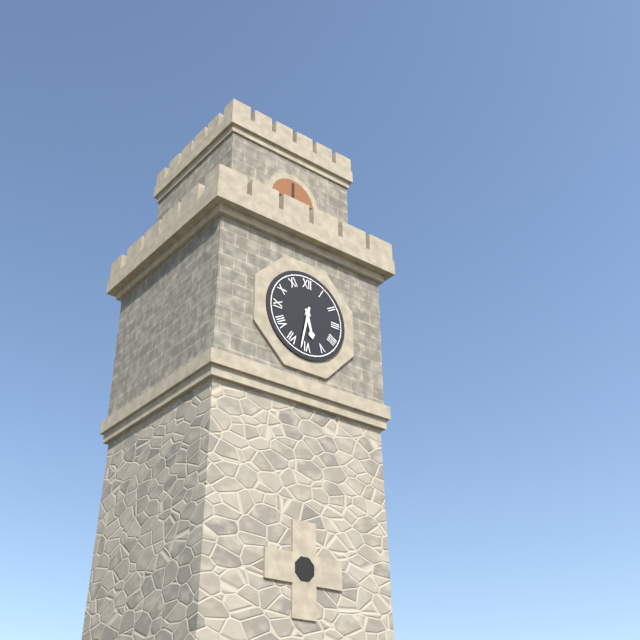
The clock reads **5:32**
